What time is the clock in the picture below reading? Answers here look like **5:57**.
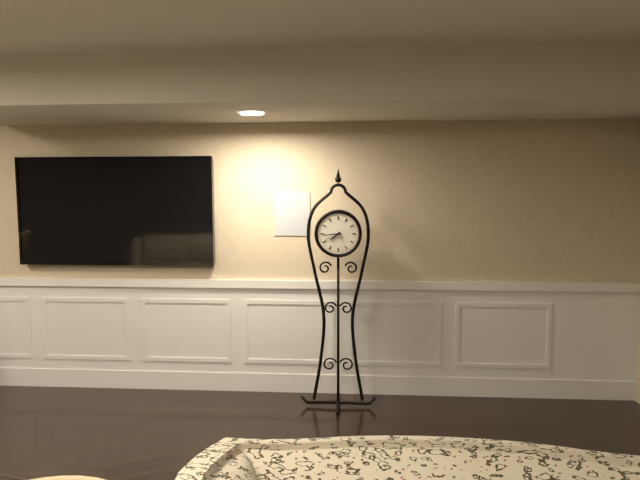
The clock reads **7:44**
